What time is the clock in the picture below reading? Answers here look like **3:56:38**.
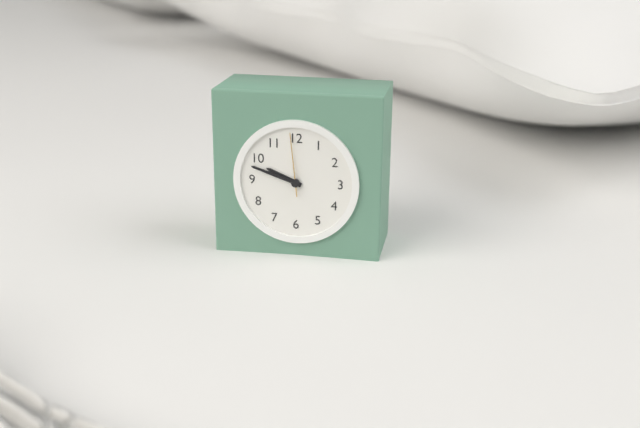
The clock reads **9:48:59**
